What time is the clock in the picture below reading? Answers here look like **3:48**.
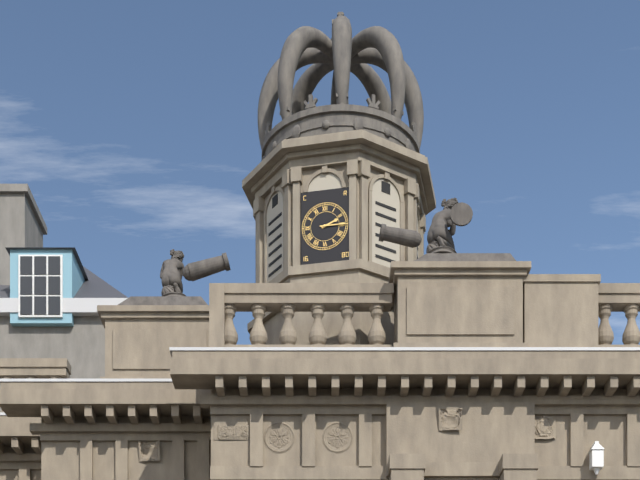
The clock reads **2:15**
